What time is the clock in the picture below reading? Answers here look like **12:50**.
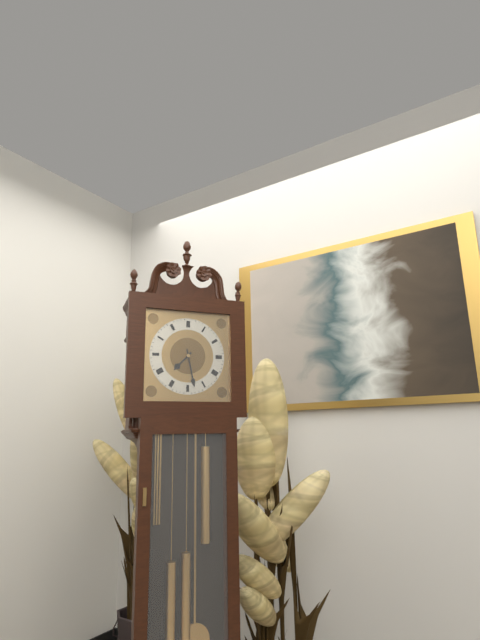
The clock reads **7:28**
